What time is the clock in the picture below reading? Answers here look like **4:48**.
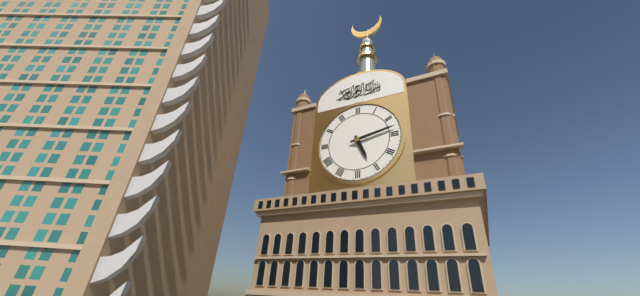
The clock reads **5:13**
